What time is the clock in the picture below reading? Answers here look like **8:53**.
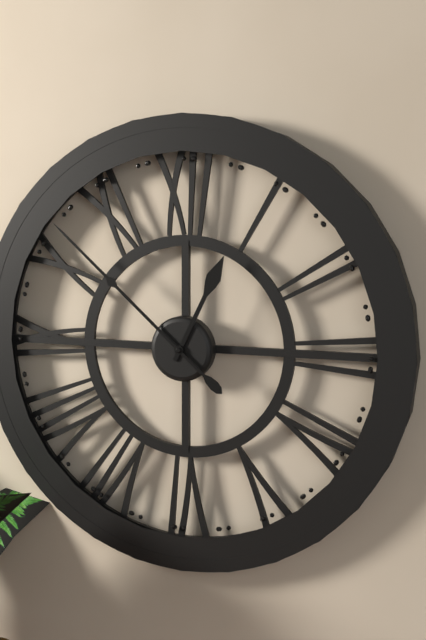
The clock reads **12:52**
